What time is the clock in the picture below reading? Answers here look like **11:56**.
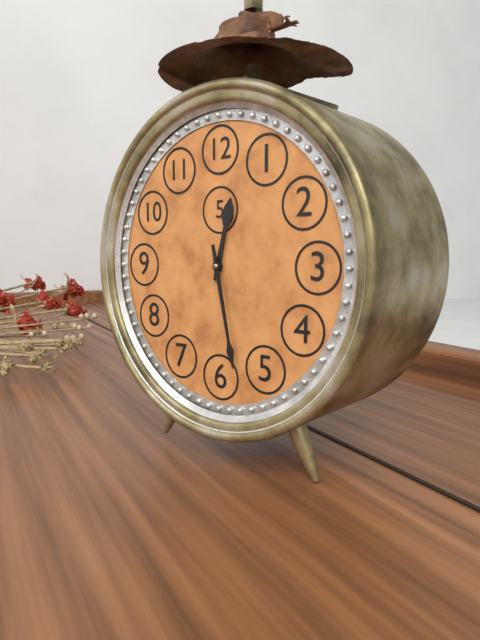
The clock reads **12:28**
